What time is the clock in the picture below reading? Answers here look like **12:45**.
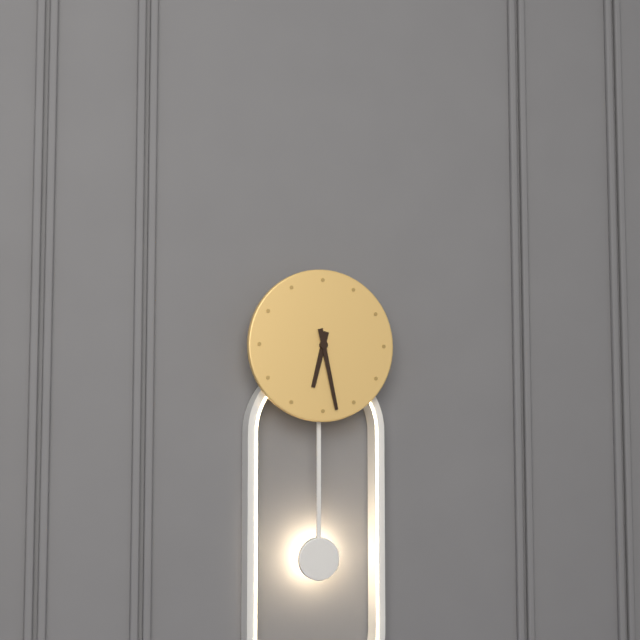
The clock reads **6:28**
